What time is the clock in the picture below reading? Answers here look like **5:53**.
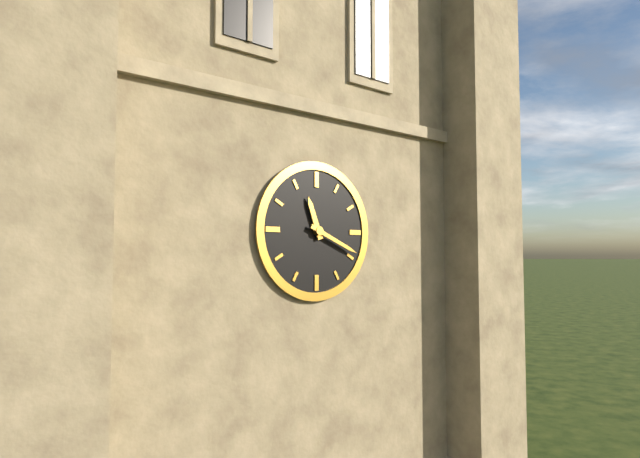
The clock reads **11:19**
